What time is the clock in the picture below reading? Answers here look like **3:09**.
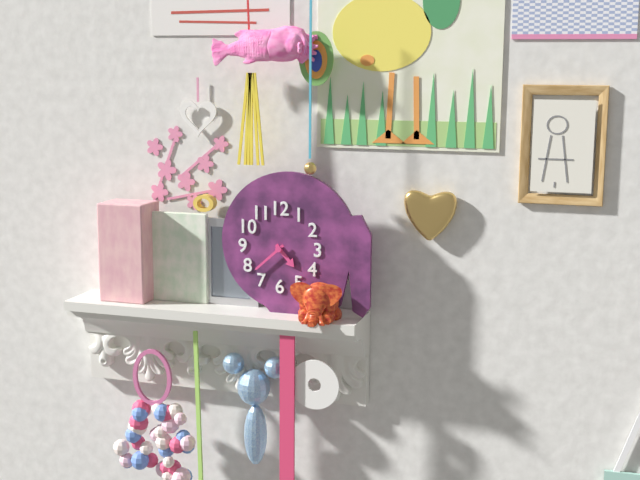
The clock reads **4:38**
